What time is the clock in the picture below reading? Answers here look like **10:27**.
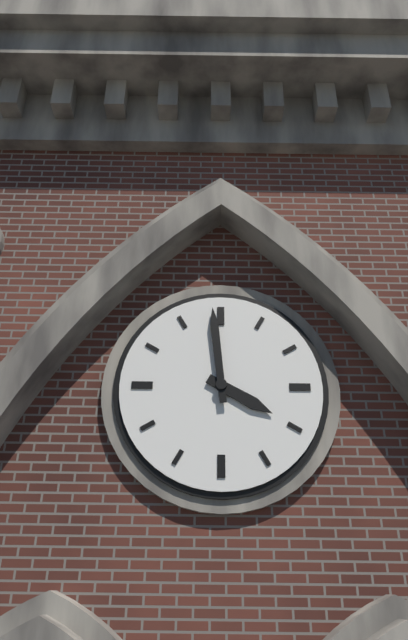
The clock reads **3:59**
